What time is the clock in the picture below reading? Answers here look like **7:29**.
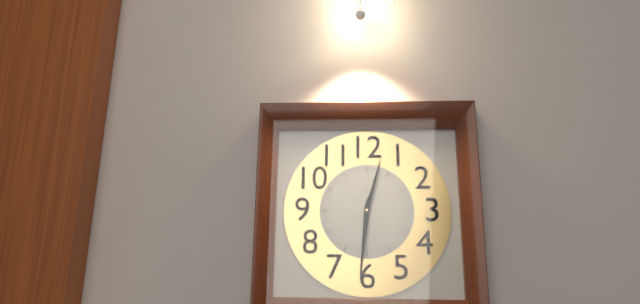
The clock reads **12:31**
